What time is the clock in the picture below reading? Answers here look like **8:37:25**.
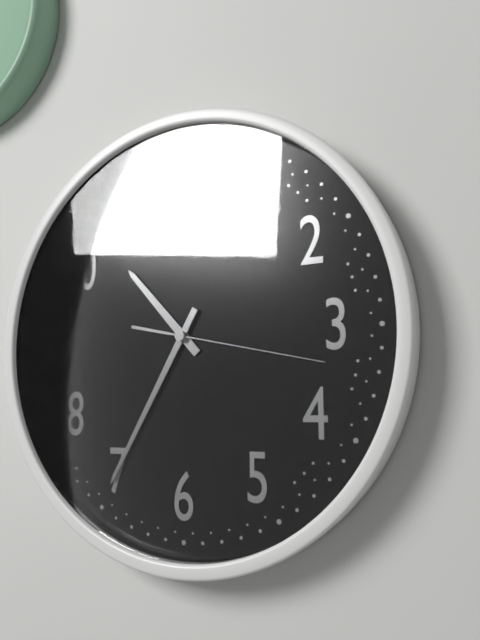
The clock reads **10:35:17**
